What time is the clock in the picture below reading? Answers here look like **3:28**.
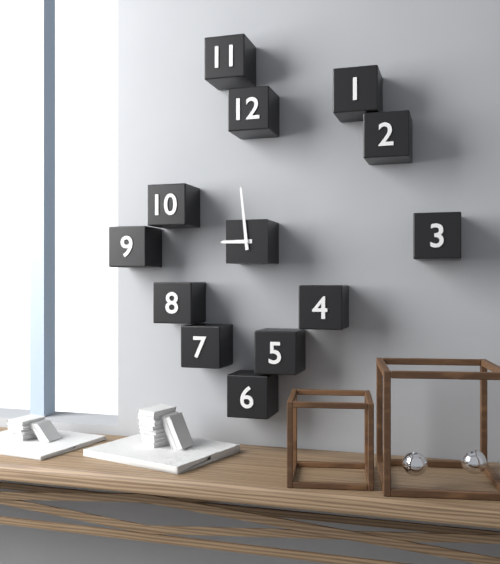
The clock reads **8:59**
